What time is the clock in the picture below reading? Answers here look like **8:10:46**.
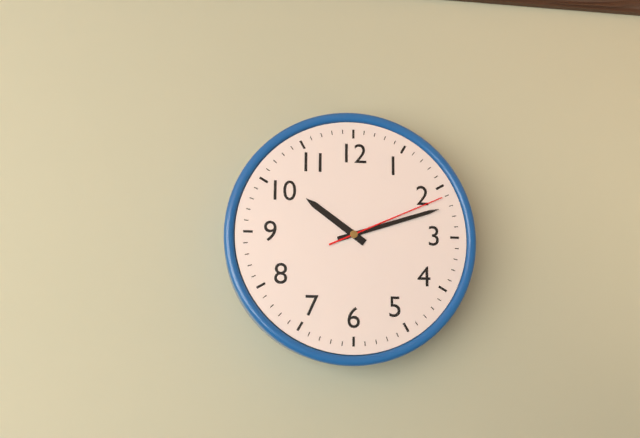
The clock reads **10:12:11**
